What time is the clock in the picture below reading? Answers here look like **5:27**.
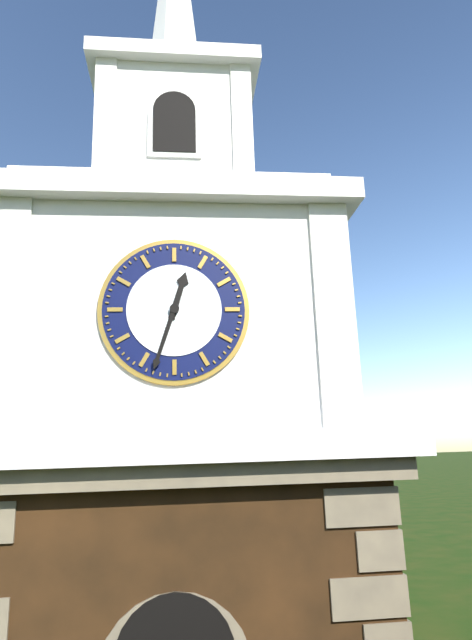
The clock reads **12:33**
